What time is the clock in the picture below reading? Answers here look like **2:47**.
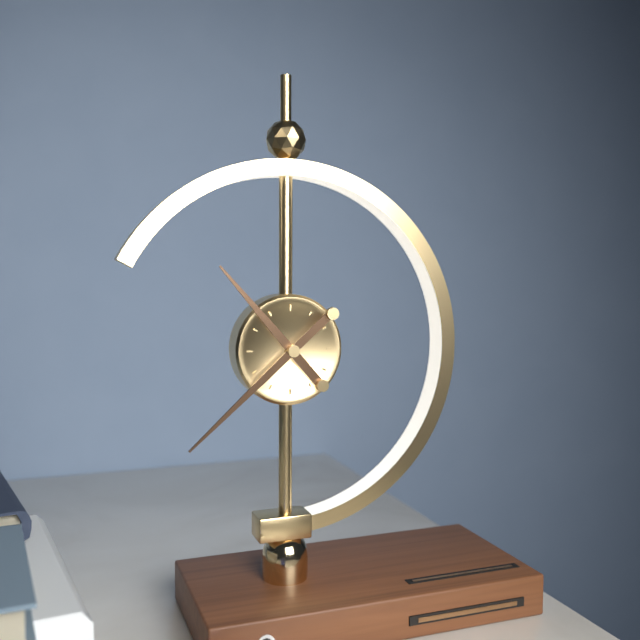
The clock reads **10:38**
